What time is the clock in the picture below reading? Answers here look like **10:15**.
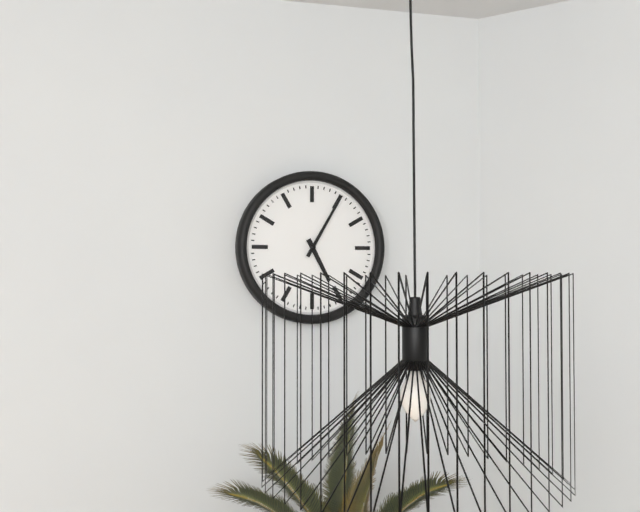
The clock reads **5:05**
